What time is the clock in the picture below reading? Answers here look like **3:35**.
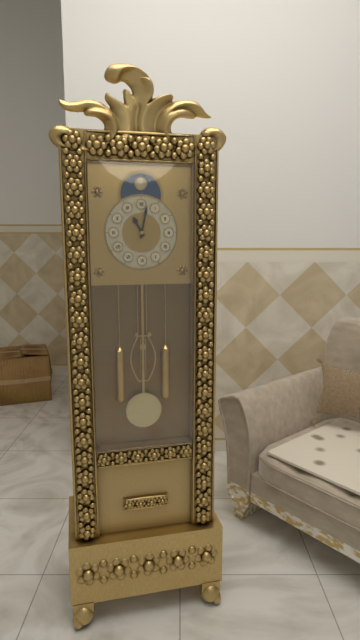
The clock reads **11:02**
